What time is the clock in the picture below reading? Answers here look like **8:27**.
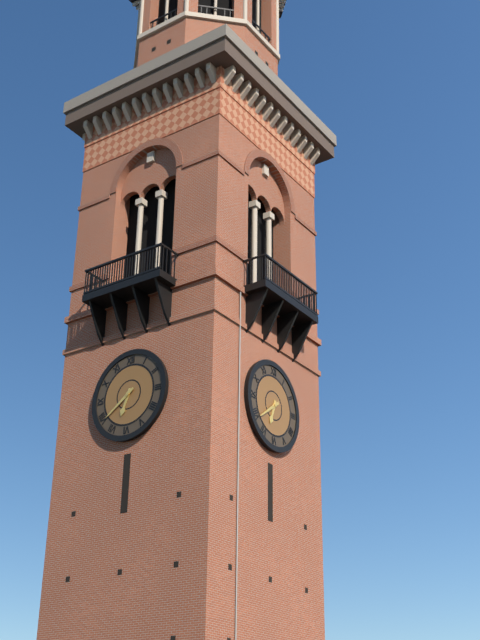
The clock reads **6:39**
